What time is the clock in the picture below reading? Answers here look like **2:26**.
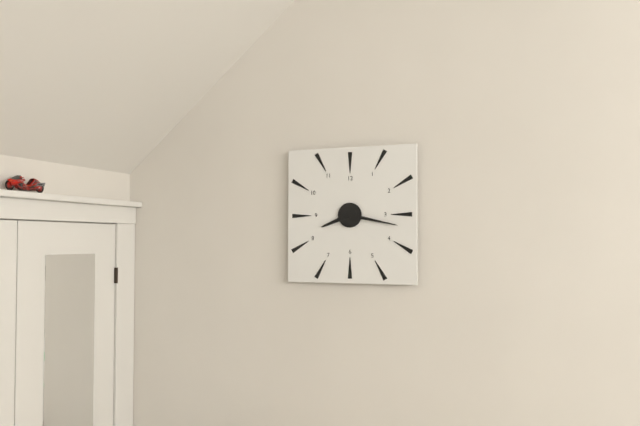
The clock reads **8:17**
